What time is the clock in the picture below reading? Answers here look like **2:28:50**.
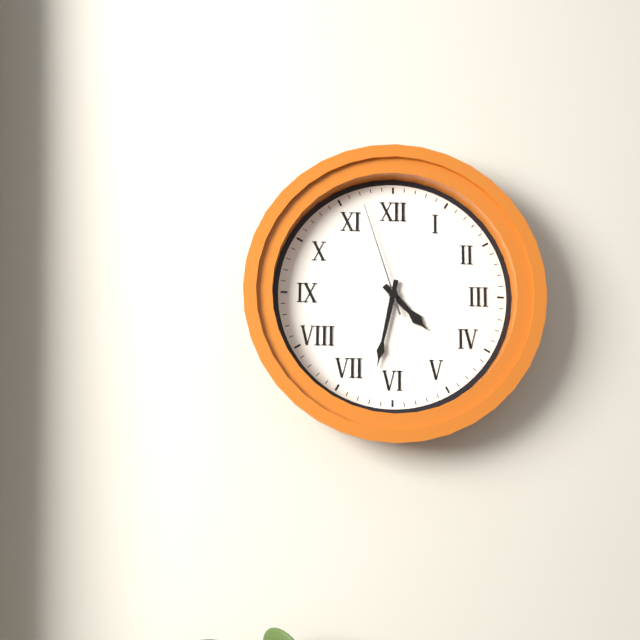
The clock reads **4:32:57**
